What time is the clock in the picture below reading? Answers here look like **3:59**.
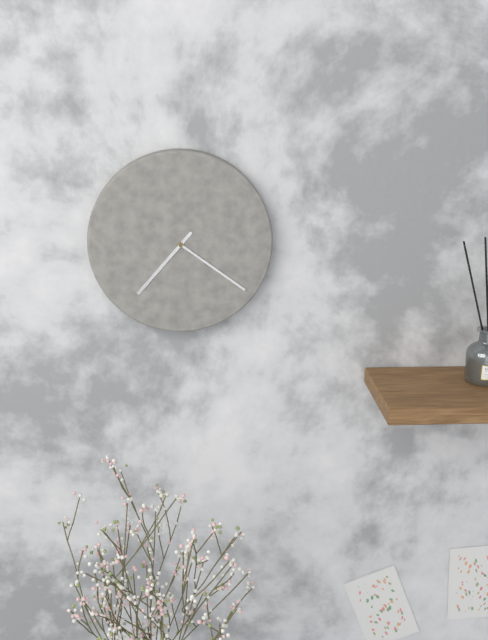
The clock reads **7:21**
